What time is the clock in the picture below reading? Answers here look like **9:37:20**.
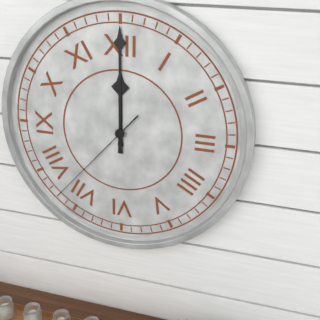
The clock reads **12:00:37**
